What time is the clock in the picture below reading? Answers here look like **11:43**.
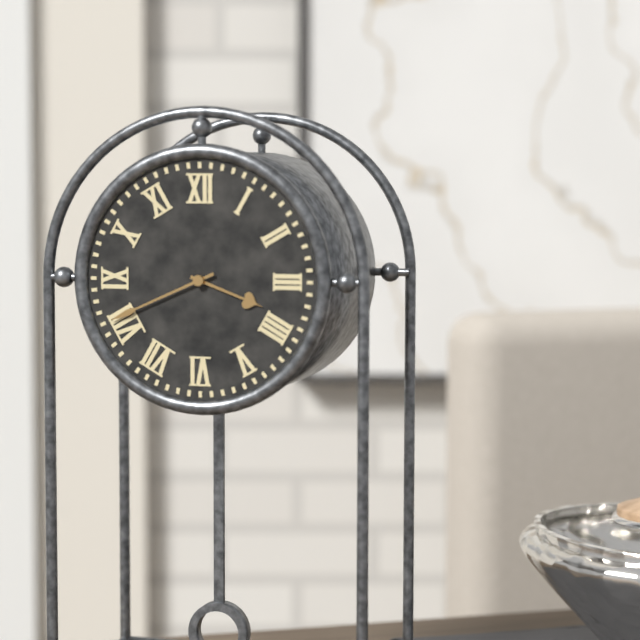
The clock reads **3:41**
